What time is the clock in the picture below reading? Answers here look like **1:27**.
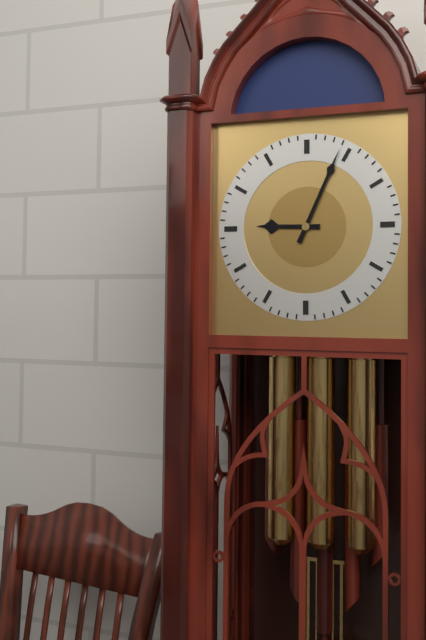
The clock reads **9:04**
